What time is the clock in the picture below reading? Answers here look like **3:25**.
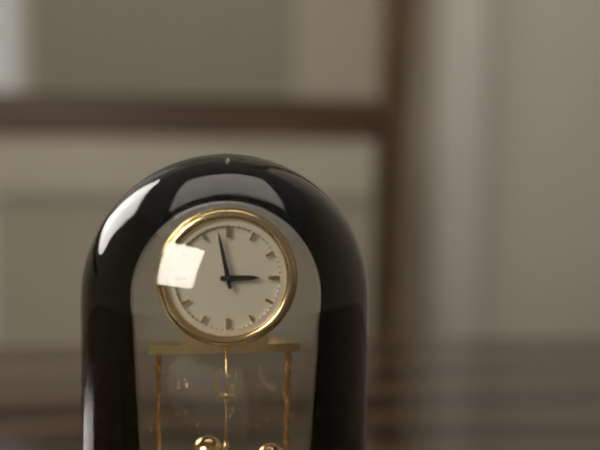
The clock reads **2:58**
